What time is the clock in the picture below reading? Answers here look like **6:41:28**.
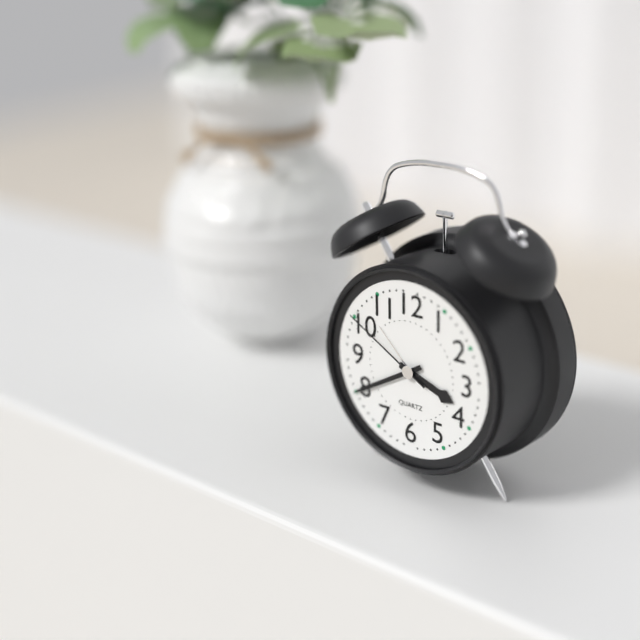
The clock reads **3:40:50**
